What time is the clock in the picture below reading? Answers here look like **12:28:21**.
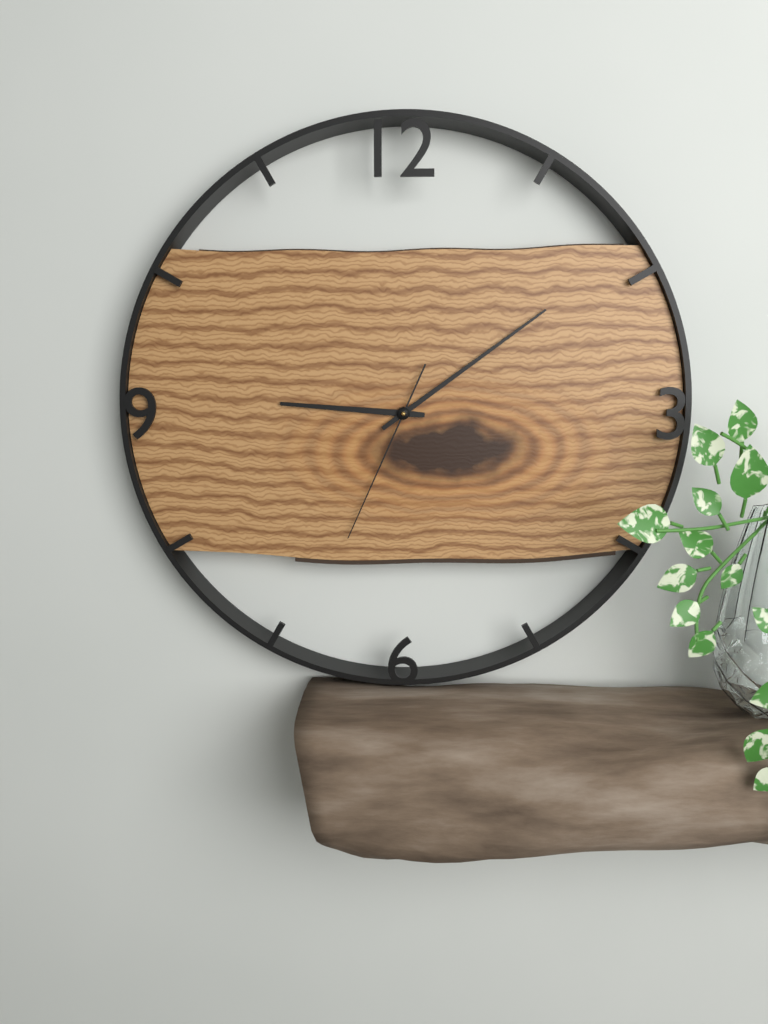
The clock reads **9:09:34**
